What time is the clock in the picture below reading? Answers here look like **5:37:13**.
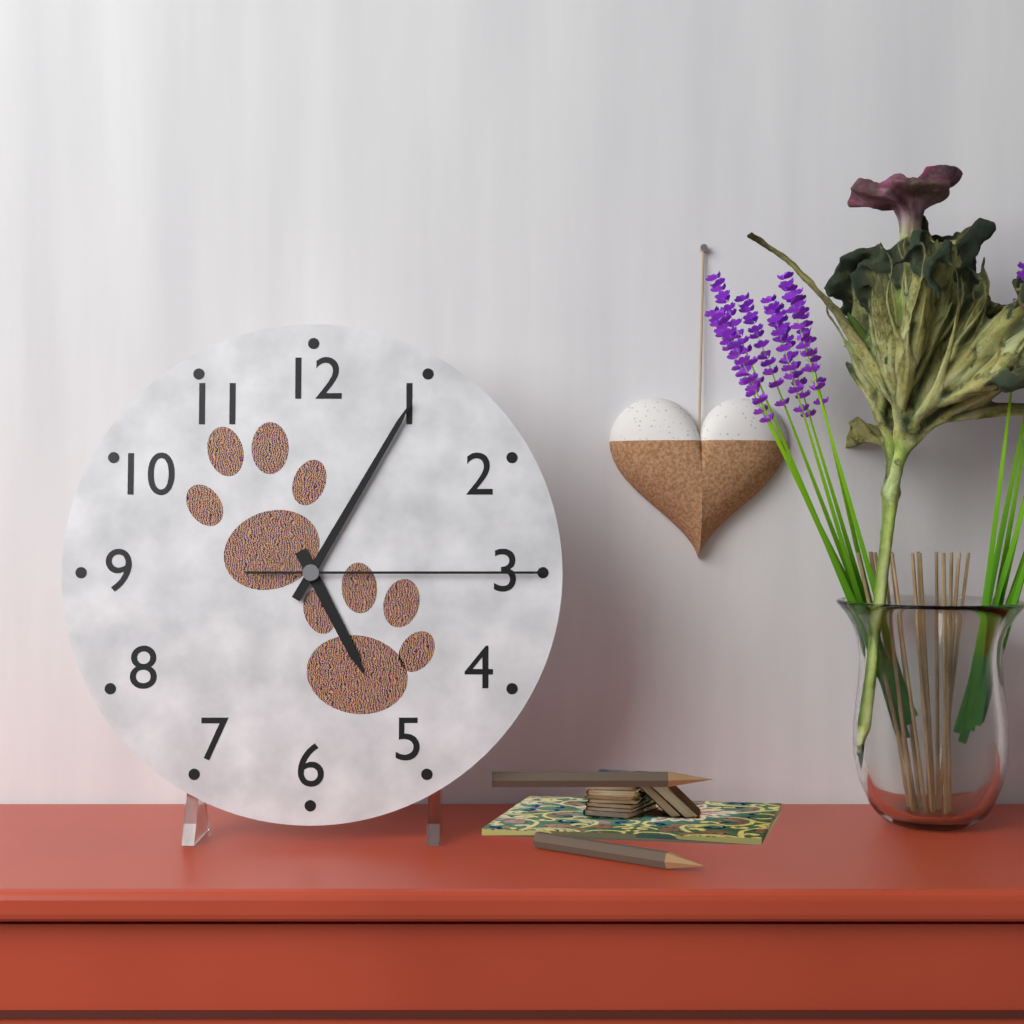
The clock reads **5:05:15**
